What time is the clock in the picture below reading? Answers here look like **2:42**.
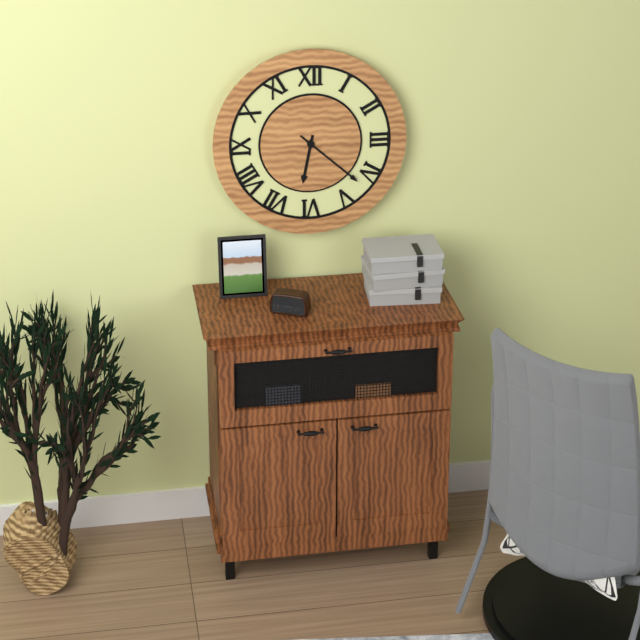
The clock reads **6:22**
